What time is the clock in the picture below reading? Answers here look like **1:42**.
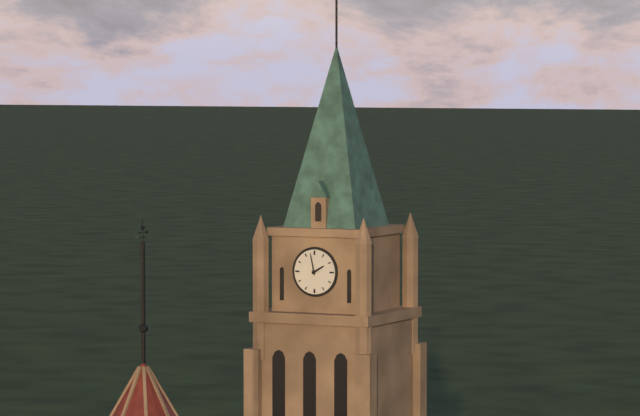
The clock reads **1:58**
